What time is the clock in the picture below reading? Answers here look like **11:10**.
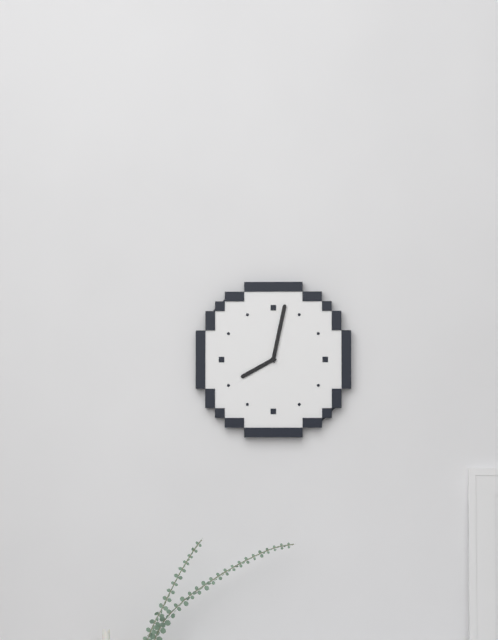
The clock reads **8:02**
